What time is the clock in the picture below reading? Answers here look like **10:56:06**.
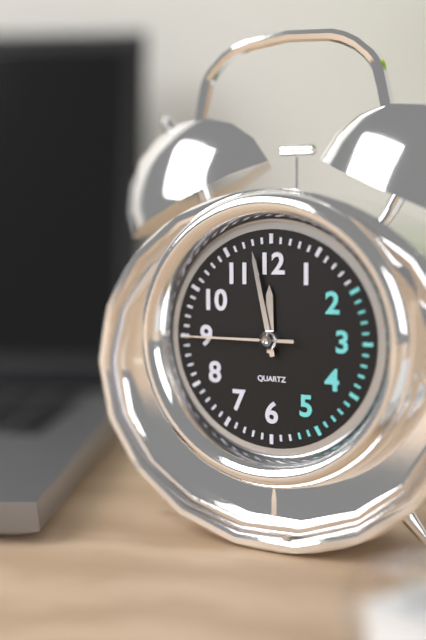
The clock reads **11:58:45**
